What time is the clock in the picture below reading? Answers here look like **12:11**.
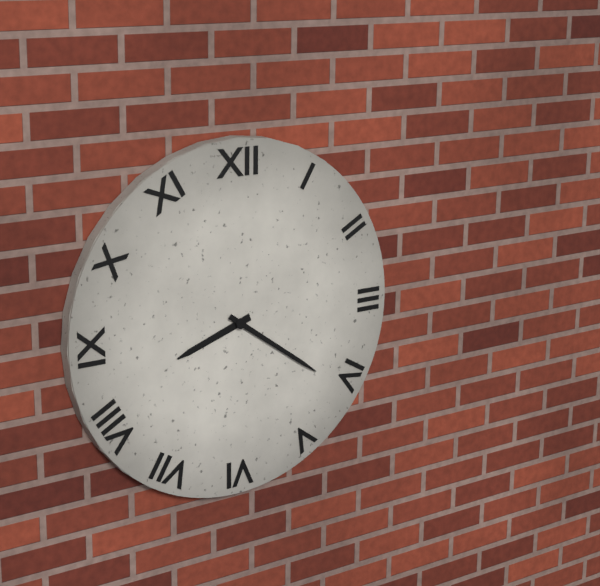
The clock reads **8:21**
